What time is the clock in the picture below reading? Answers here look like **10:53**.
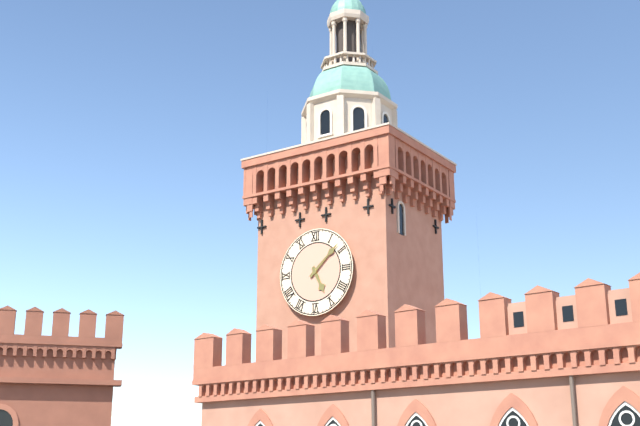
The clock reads **5:08**
